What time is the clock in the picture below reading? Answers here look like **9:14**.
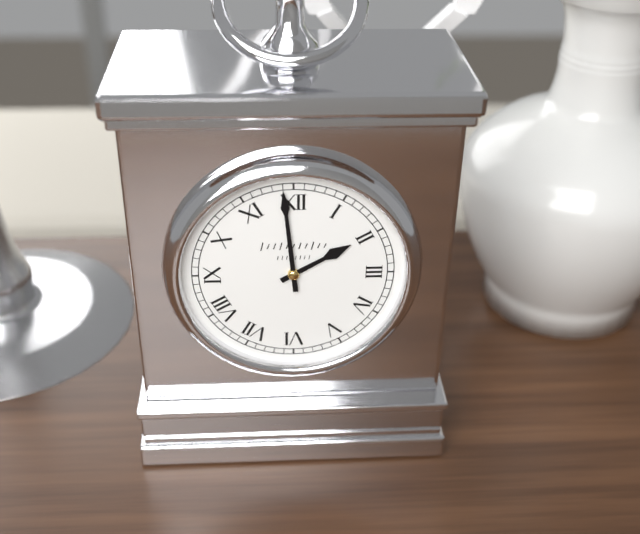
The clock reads **1:59**
